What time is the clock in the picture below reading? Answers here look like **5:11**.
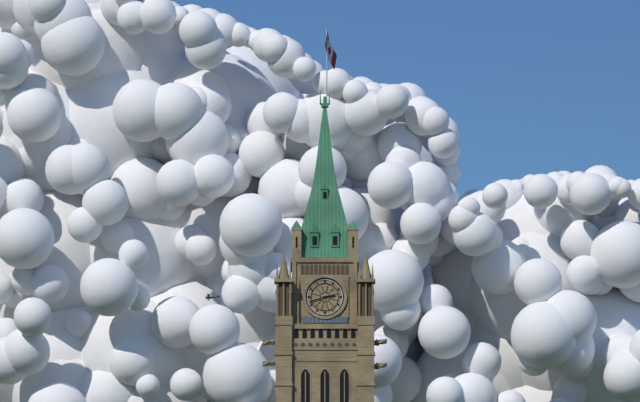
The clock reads **2:42**
